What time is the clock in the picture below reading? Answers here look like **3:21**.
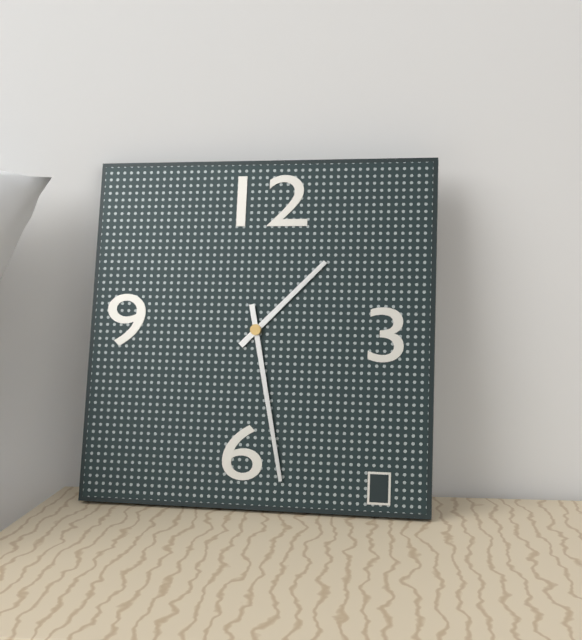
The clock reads **1:28**
